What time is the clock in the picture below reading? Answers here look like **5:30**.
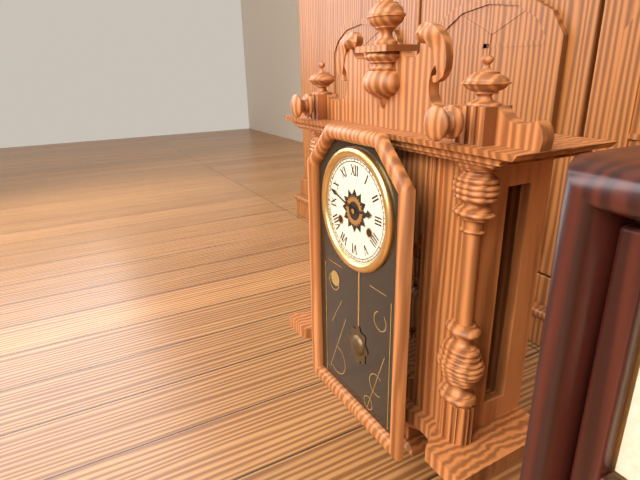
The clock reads **2:48**
